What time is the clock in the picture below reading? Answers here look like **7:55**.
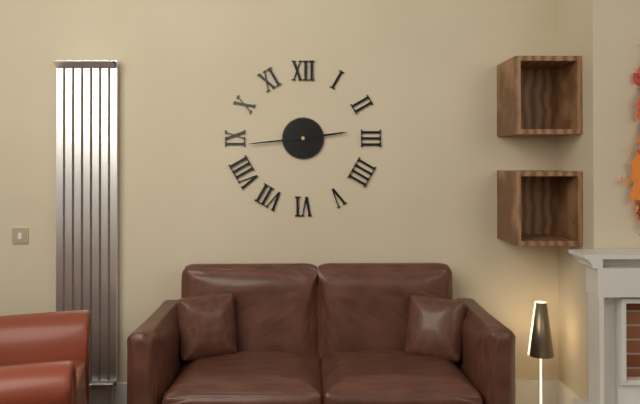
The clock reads **2:44**
